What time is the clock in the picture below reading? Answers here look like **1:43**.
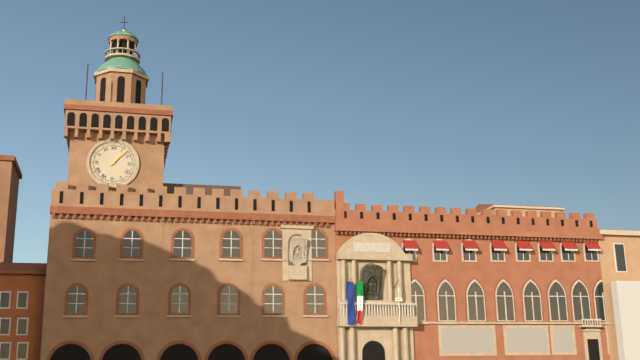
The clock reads **1:07**
